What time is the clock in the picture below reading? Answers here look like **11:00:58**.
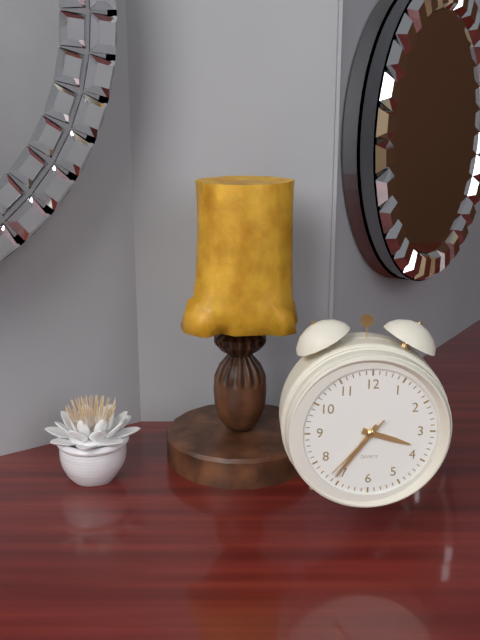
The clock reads **3:36:37**
